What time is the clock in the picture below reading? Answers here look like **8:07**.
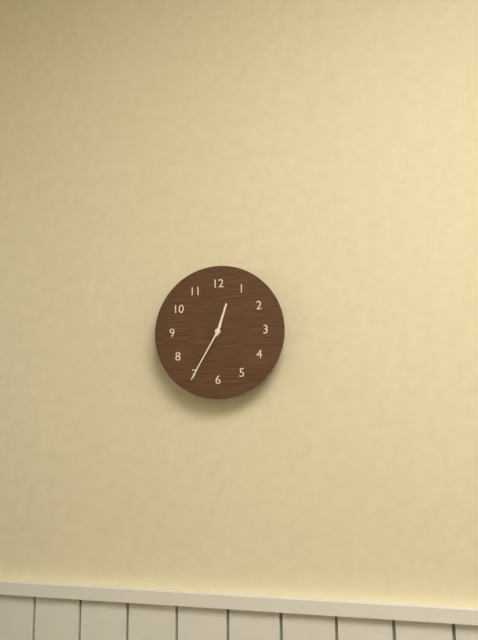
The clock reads **12:35**
